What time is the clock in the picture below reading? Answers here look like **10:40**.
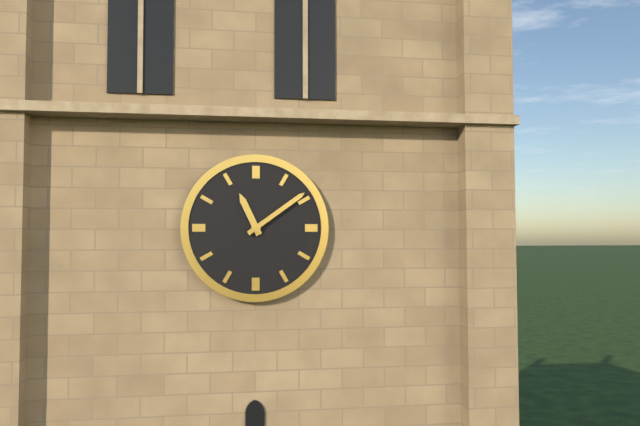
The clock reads **11:09**
